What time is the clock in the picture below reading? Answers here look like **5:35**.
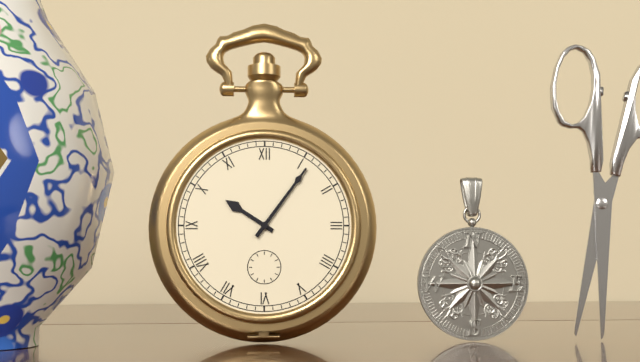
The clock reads **10:06**
